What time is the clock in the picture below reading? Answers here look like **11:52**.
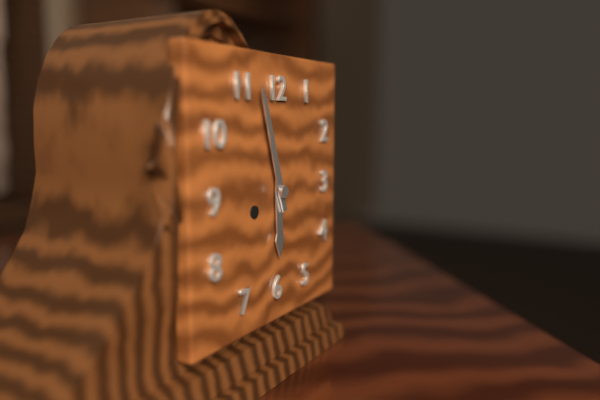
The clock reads **5:57**
